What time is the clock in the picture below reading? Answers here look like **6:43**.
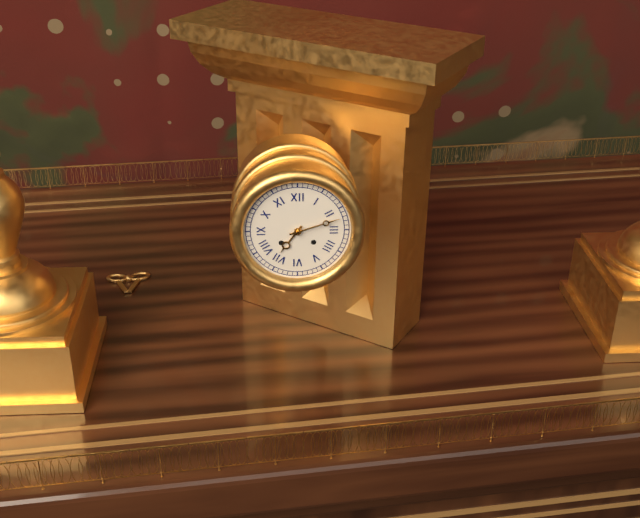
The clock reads **7:12**
